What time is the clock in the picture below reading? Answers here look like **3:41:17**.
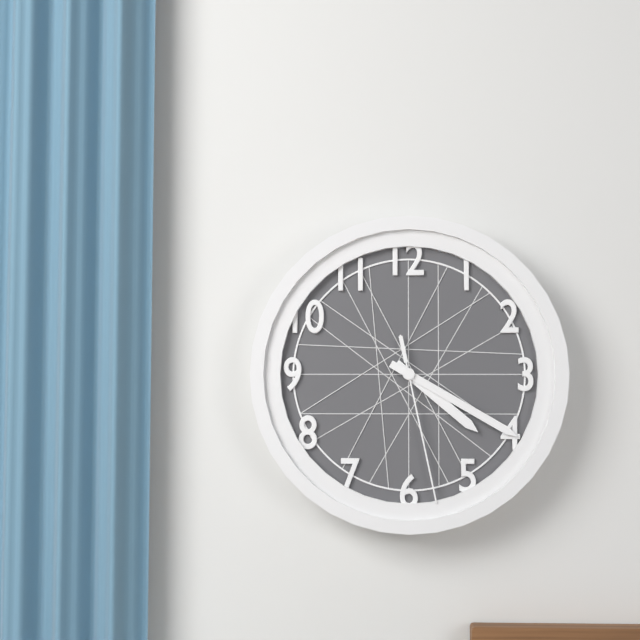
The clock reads **4:20:28**
